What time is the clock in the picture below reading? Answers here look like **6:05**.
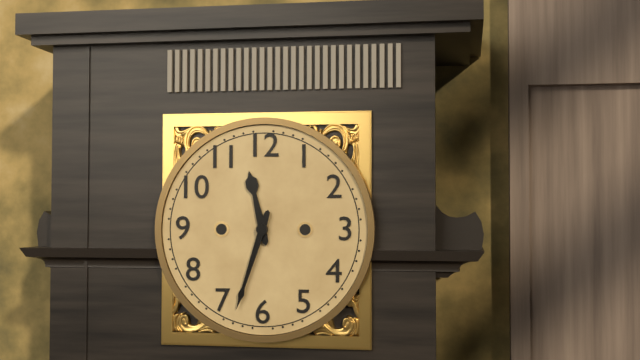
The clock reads **11:33**
